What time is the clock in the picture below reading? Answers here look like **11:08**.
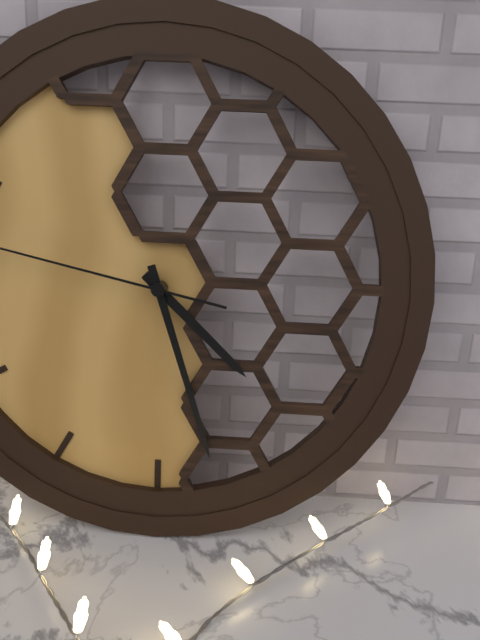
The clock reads **4:27**
